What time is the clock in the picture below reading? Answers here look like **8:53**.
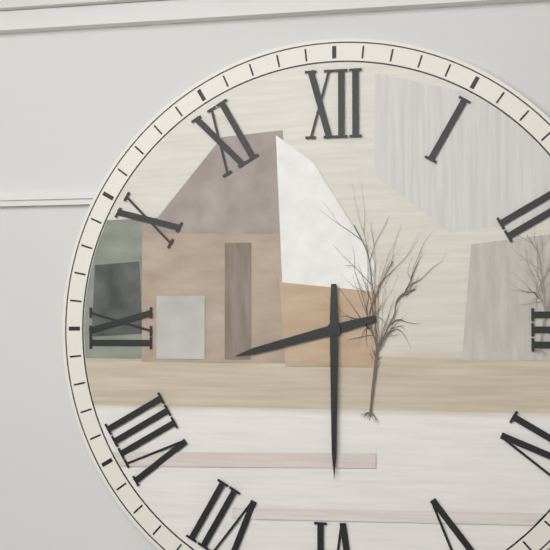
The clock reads **8:30**
